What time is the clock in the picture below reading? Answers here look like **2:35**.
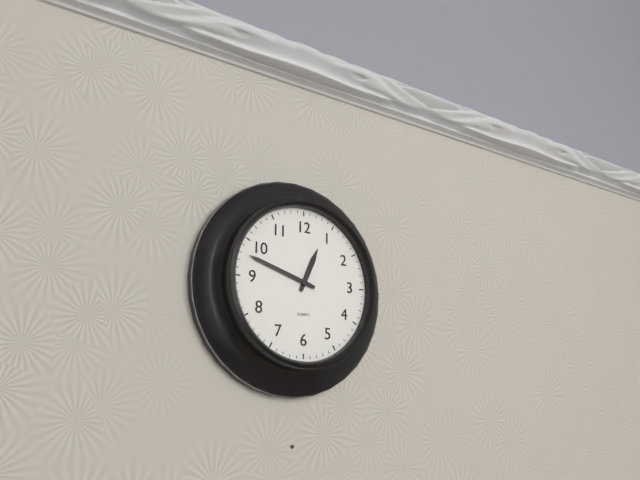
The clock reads **12:48**
